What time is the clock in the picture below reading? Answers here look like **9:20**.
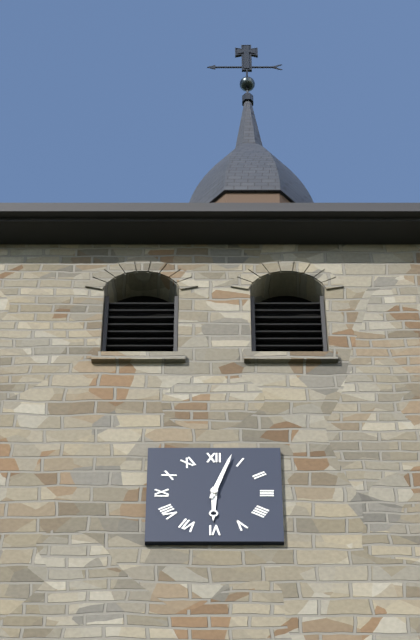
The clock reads **6:03**
